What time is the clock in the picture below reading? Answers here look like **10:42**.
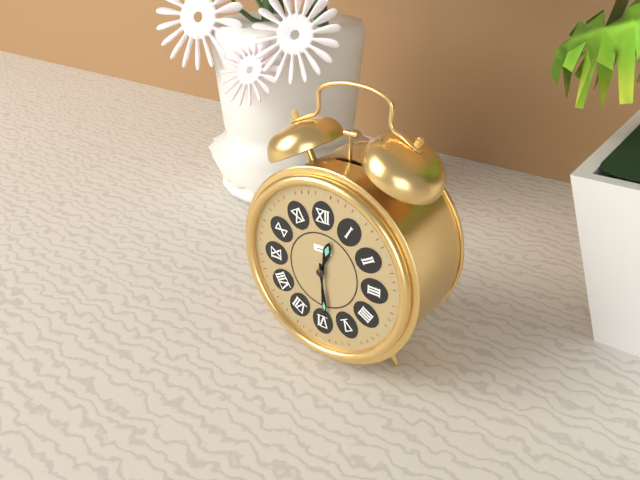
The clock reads **12:29**
